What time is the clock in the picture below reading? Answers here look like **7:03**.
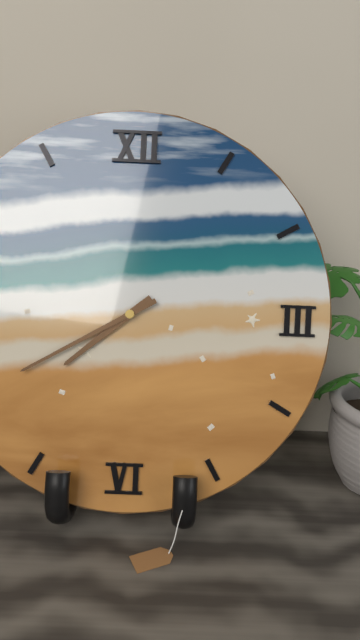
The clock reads **7:40**
